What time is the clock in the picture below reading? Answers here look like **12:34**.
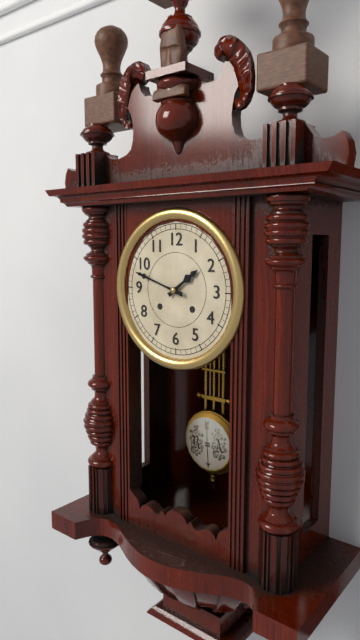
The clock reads **1:48**
